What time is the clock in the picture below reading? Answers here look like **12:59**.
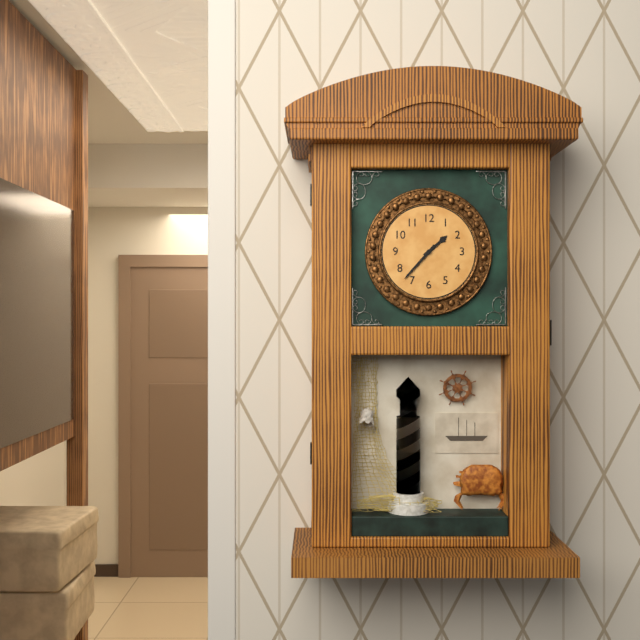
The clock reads **1:37**
